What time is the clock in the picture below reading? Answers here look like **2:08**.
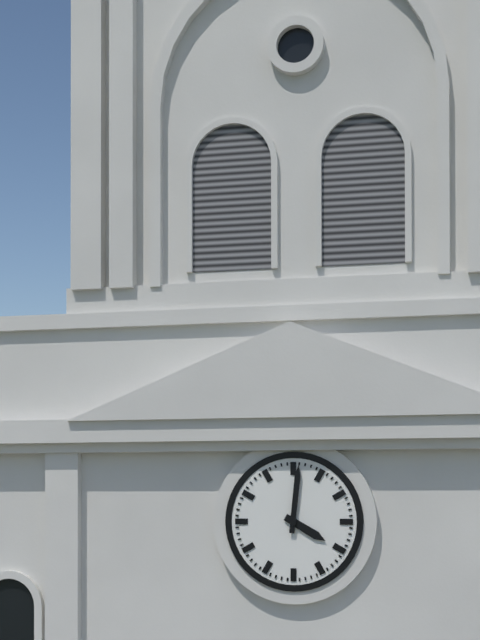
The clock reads **4:01**
